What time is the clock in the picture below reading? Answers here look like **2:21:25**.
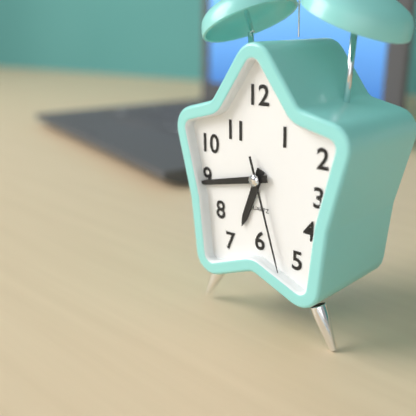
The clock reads **6:43:27**
